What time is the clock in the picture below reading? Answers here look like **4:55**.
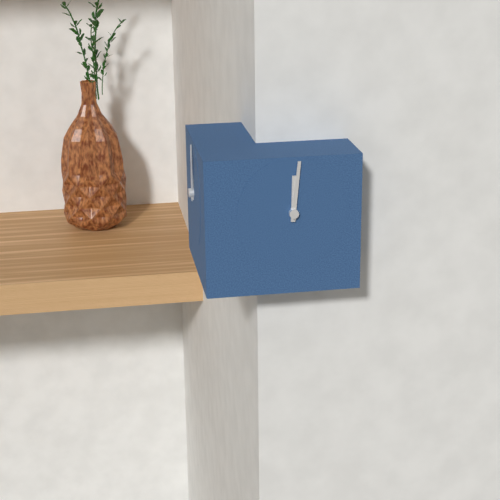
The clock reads **12:01**
